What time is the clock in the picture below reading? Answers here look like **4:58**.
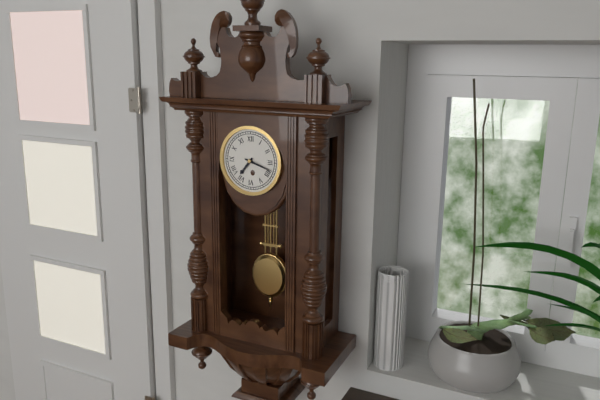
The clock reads **7:18**
